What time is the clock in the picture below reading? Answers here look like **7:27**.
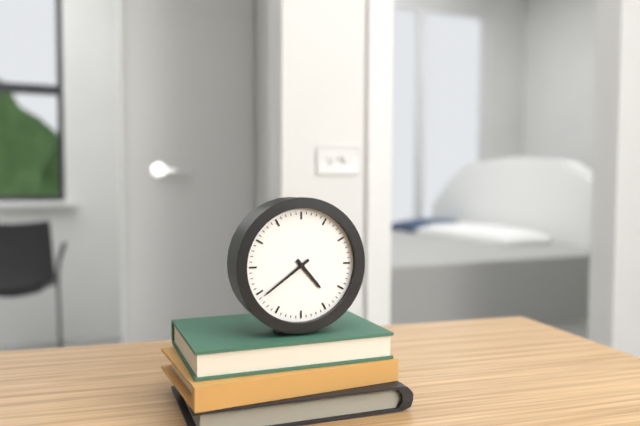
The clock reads **4:39**
